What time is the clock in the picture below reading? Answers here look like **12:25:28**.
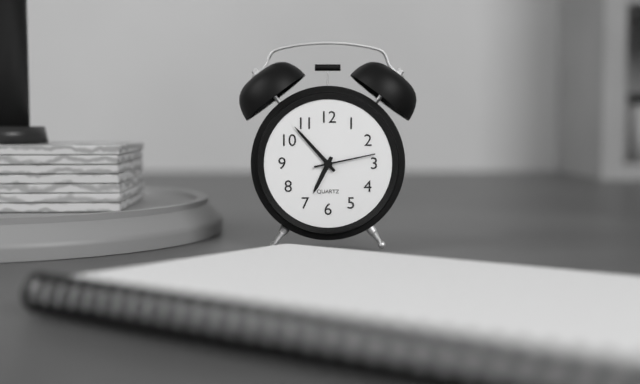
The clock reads **6:53:13**
